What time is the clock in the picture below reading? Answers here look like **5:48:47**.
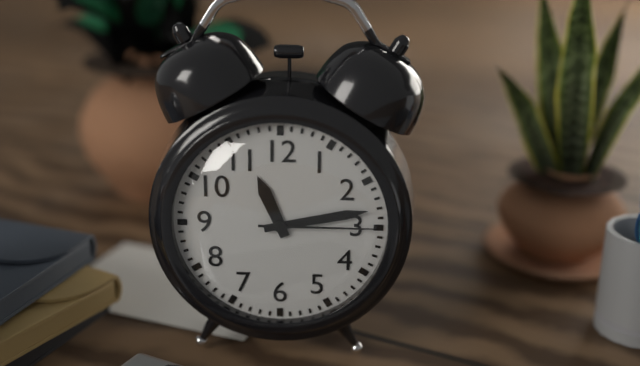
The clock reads **11:13:15**
